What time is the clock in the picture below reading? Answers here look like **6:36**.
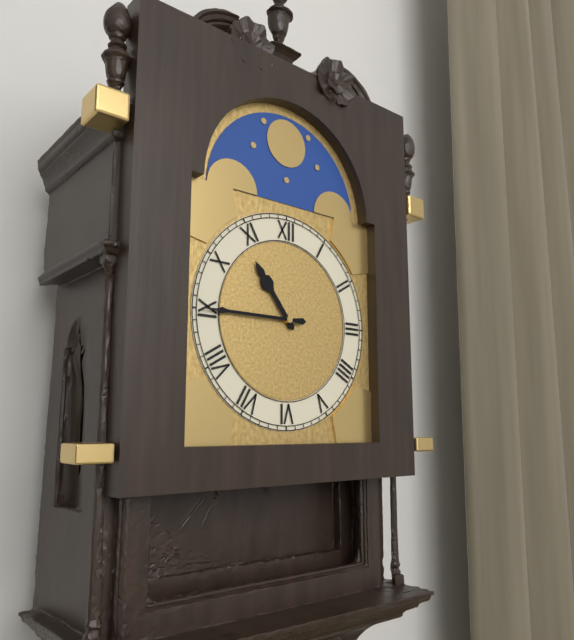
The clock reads **10:45**
